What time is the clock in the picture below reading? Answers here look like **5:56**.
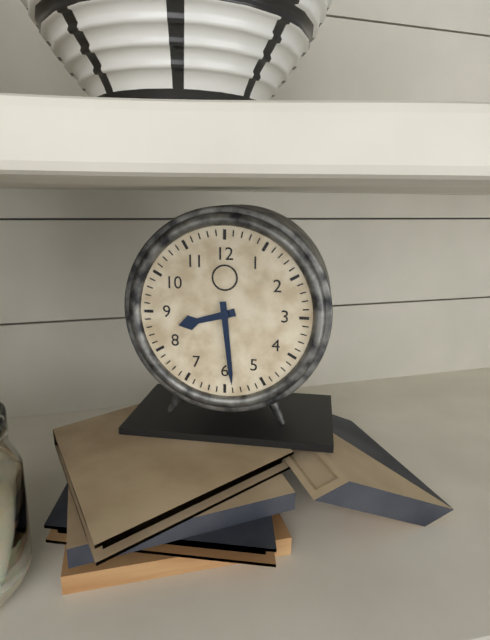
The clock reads **8:29**
